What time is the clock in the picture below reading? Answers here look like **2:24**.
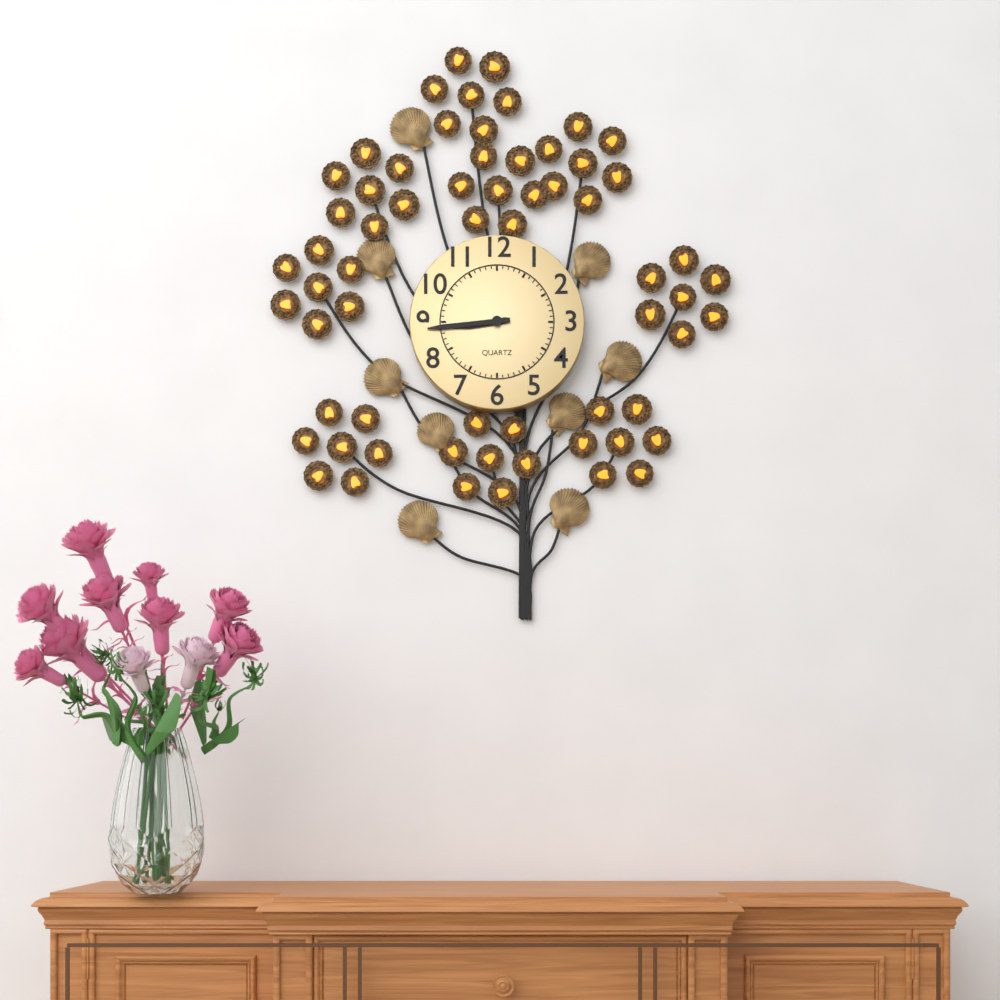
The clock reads **8:44**
